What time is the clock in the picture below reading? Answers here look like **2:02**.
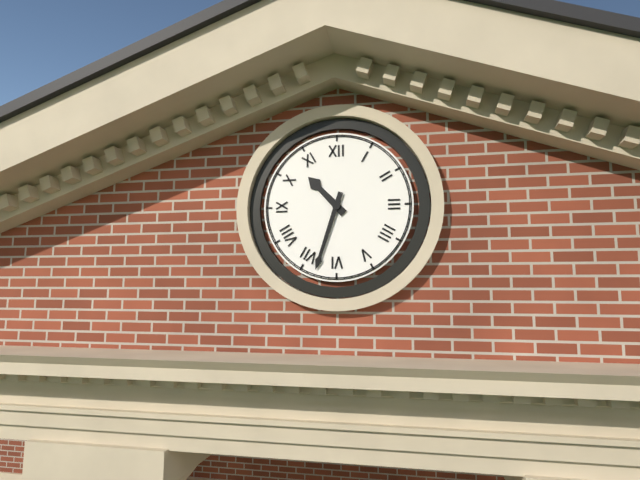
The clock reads **10:33**
